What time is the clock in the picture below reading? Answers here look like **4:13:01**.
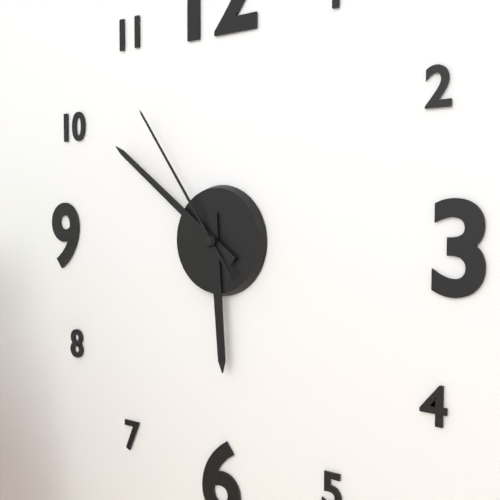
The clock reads **5:51:54**
